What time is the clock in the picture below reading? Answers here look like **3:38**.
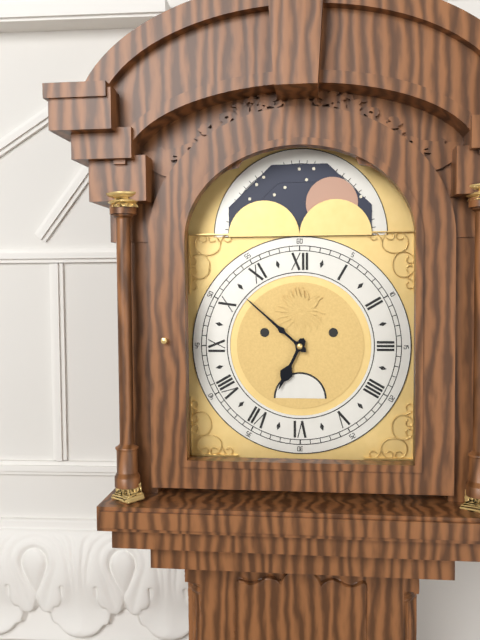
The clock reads **6:52**
